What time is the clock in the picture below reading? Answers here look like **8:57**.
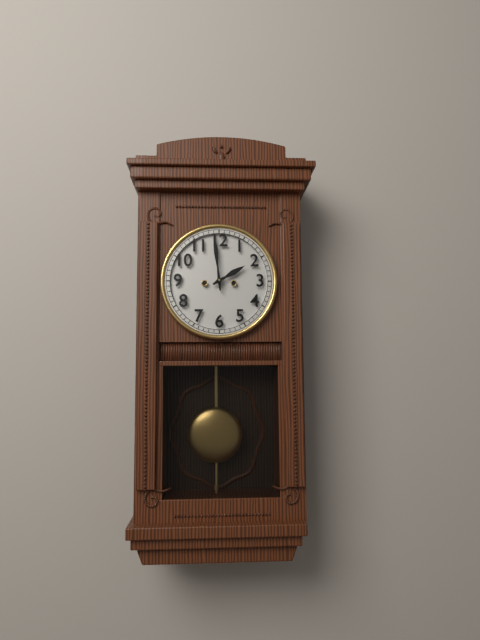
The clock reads **1:59**
